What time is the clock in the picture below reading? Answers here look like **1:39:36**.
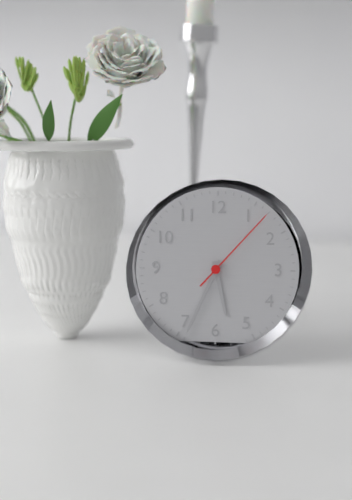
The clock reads **5:34:07**
